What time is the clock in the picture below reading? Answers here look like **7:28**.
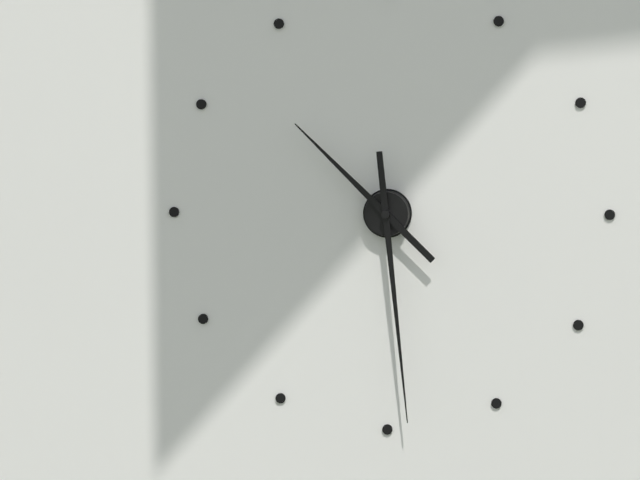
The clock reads **10:29**
